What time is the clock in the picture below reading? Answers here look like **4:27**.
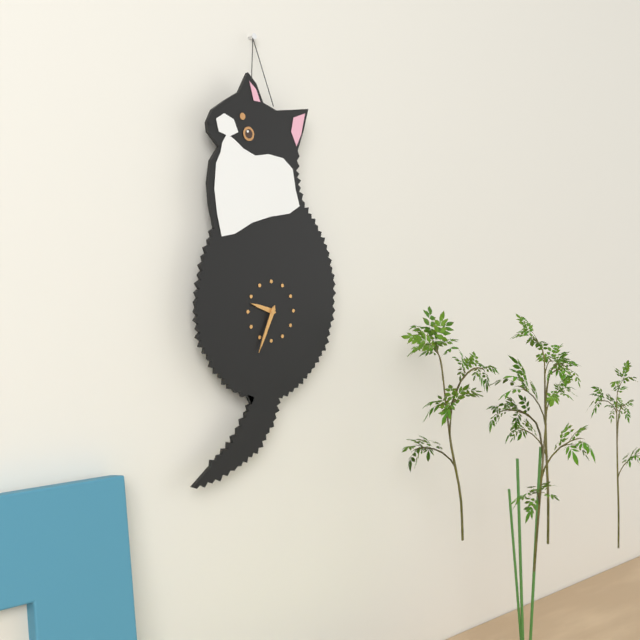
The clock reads **9:34**
